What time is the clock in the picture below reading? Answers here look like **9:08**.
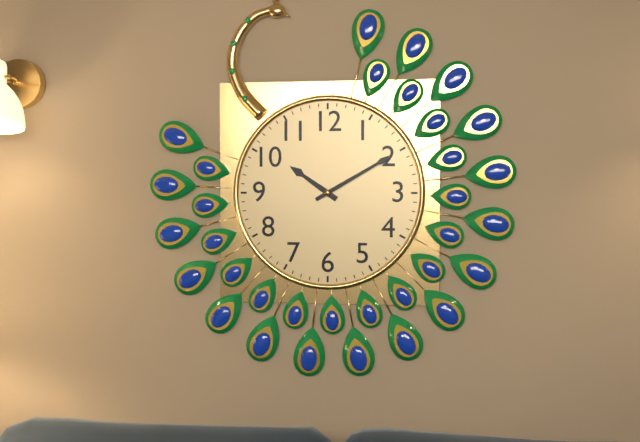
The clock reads **10:10**
